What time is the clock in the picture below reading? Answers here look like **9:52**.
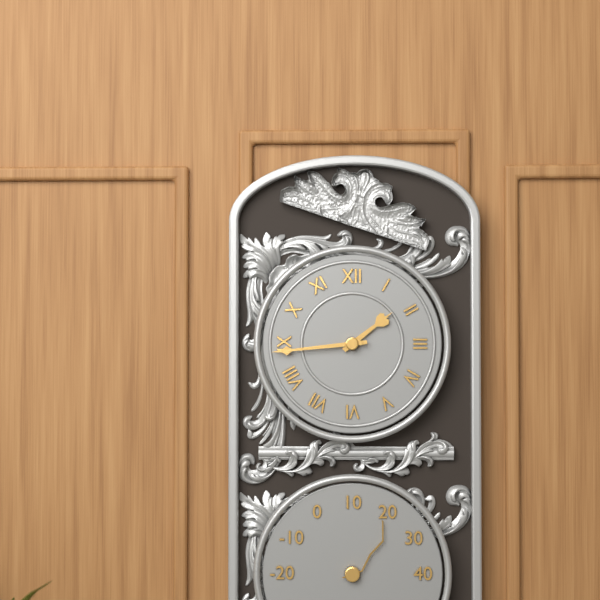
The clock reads **1:44**
